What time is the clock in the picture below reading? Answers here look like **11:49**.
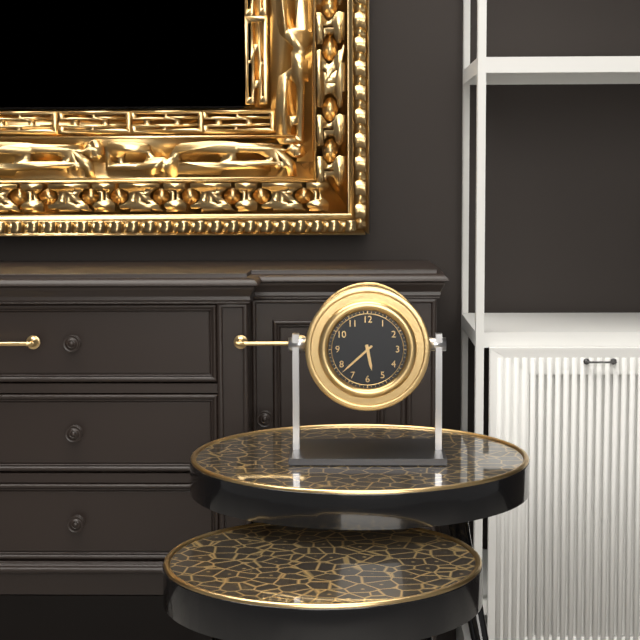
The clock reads **5:38**
